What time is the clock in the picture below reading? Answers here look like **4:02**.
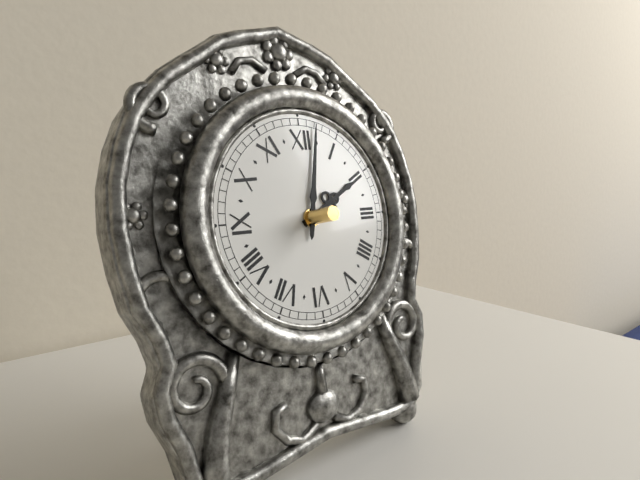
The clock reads **2:02**
